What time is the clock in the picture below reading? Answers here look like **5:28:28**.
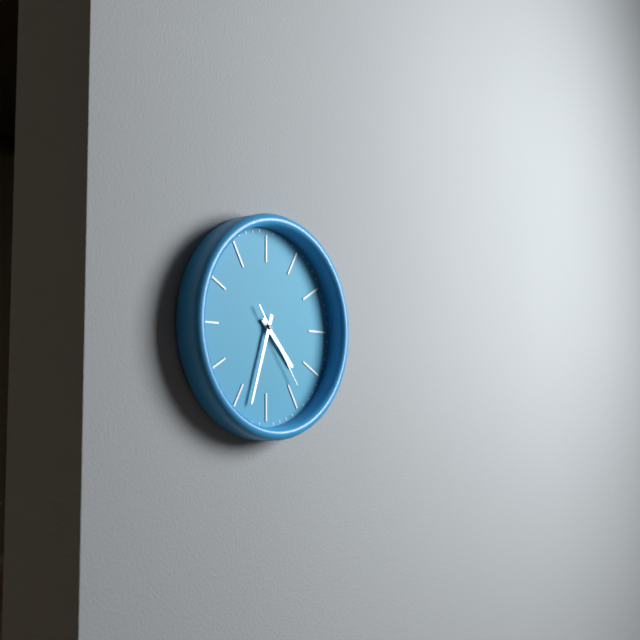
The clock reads **4:33:24**
